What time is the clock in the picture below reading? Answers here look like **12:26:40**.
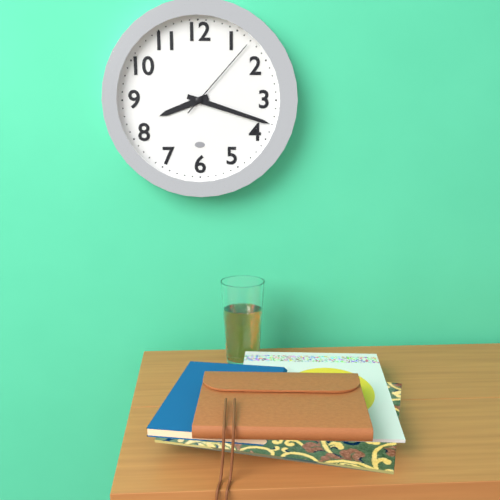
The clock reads **8:18:07**
